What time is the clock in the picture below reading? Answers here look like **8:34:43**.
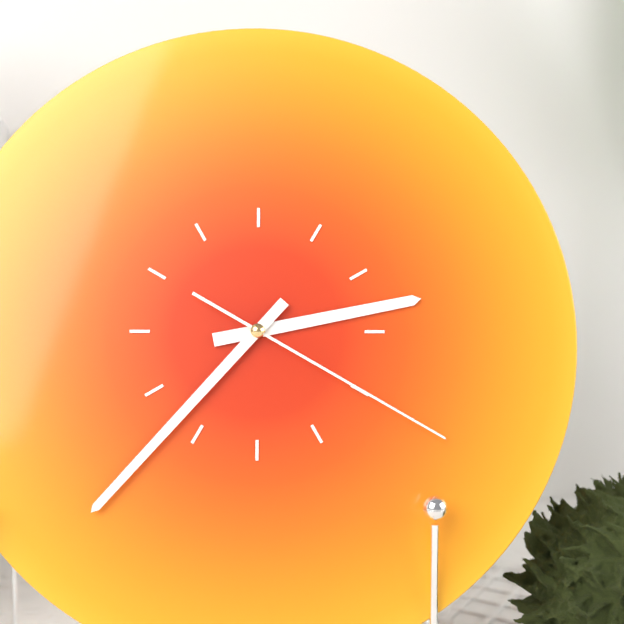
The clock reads **2:37:20**
